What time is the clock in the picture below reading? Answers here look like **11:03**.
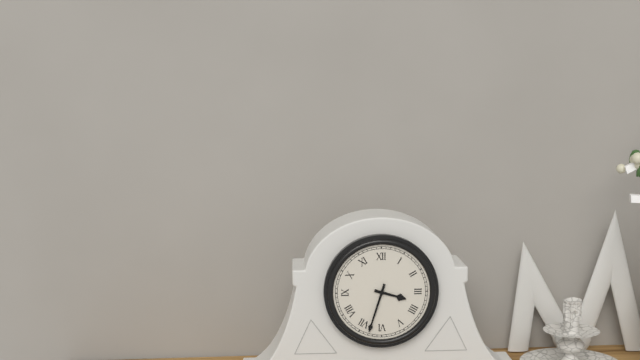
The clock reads **3:33**
